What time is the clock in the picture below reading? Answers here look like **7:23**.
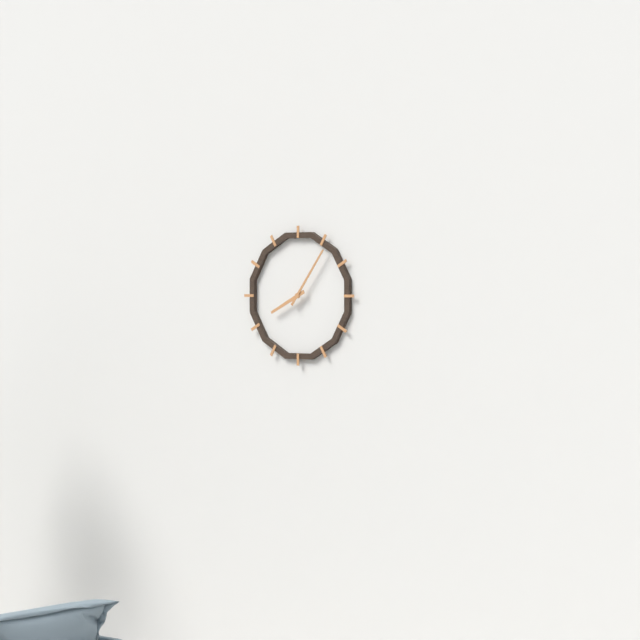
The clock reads **8:06**
